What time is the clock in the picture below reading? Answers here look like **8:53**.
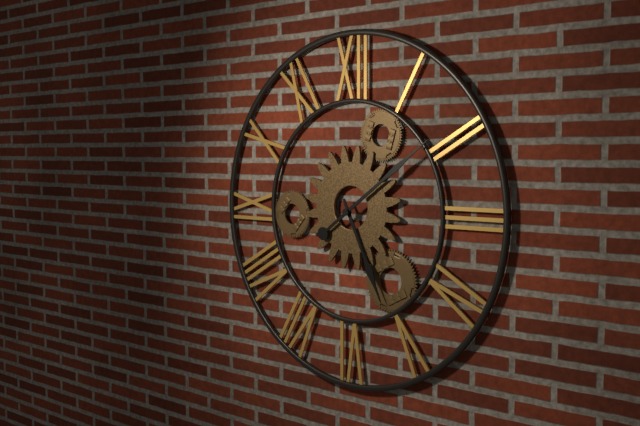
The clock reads **5:09**
